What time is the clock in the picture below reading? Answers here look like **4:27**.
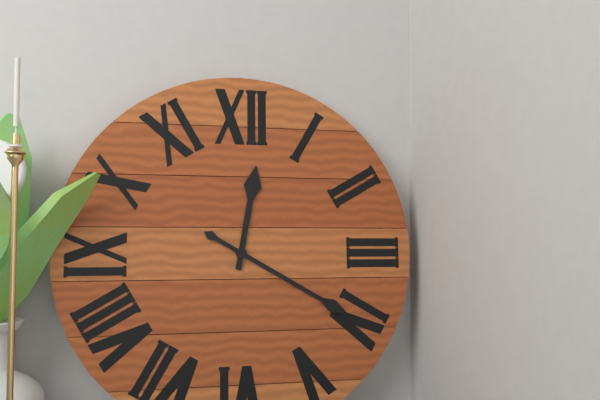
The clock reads **12:20**
